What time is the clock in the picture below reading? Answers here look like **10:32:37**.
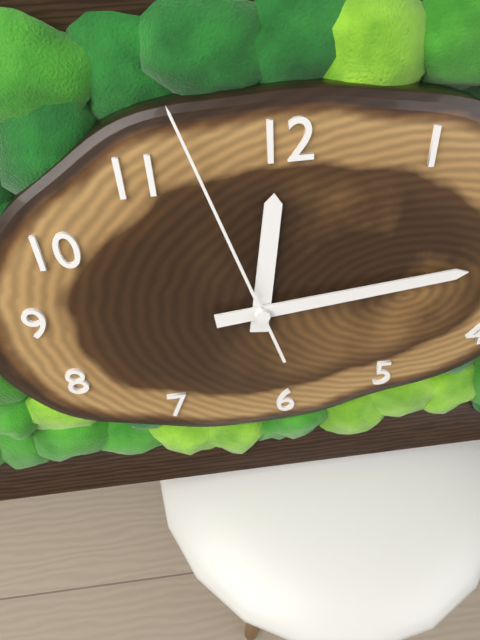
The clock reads **12:14:57**
